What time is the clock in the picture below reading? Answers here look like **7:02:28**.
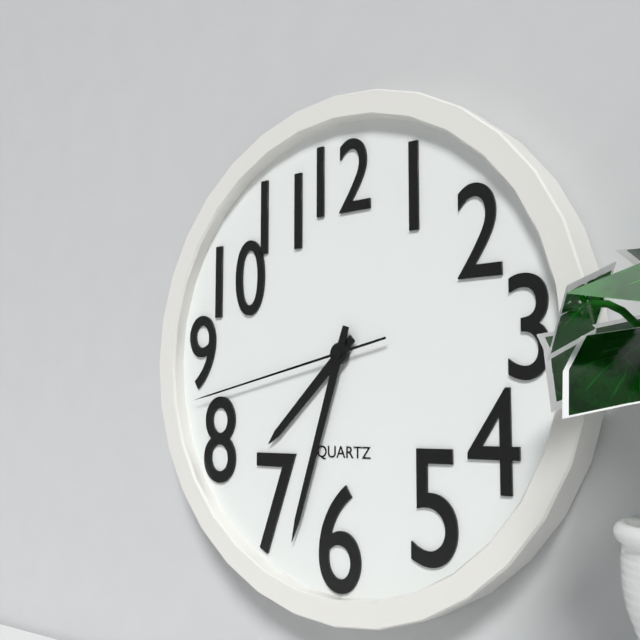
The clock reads **7:33:43**
